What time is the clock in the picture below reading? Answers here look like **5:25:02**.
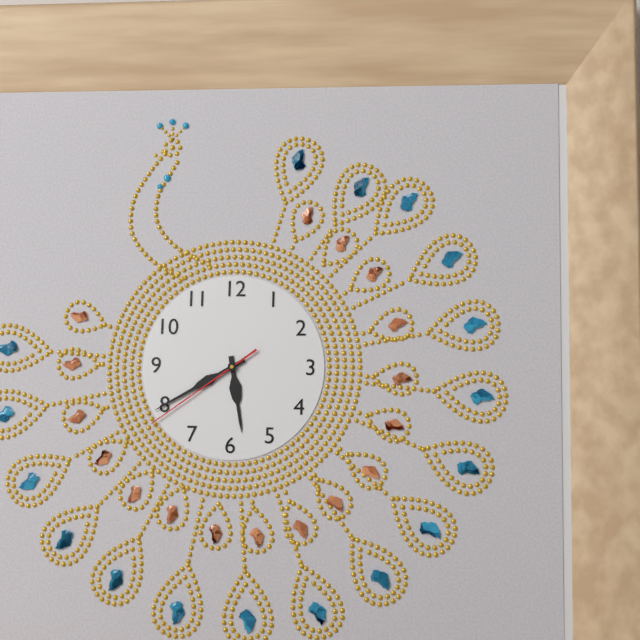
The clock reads **5:40:39**
